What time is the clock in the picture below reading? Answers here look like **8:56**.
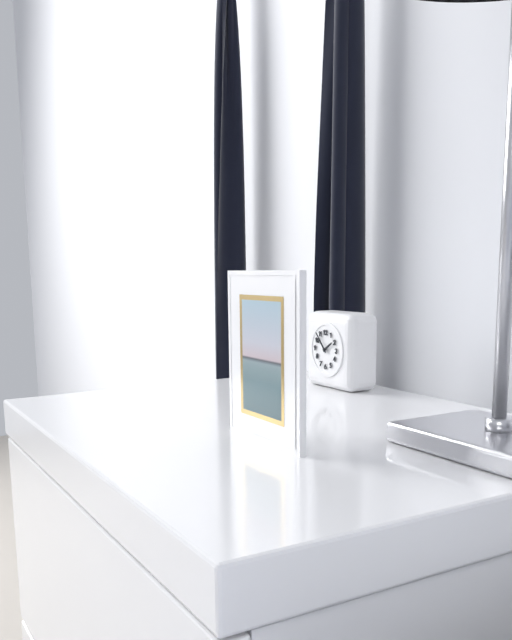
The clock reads **1:53**
